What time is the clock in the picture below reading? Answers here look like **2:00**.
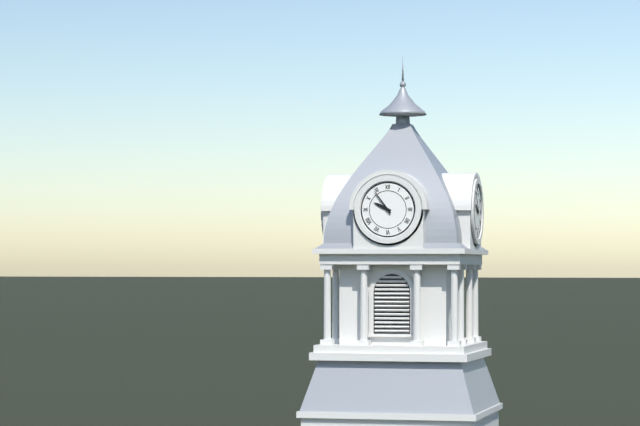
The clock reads **9:54**
